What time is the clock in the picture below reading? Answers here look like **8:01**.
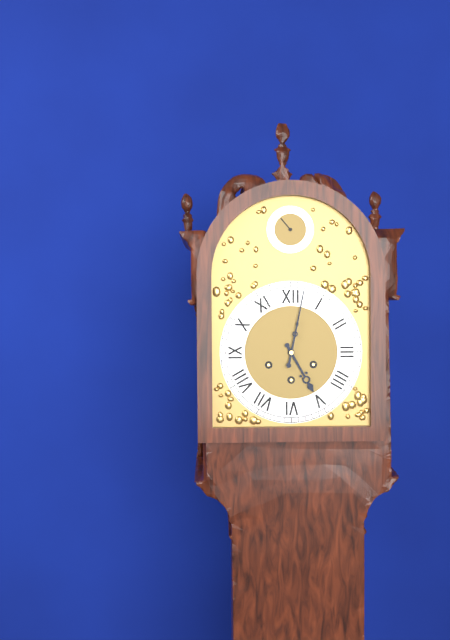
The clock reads **5:02**
